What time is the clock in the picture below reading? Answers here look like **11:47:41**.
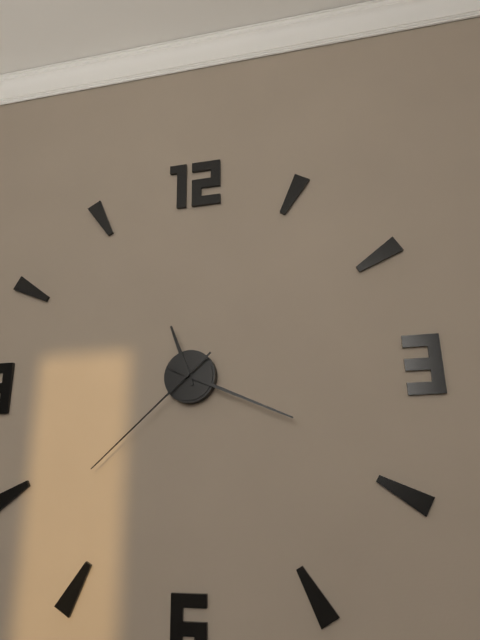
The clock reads **11:19:38**
